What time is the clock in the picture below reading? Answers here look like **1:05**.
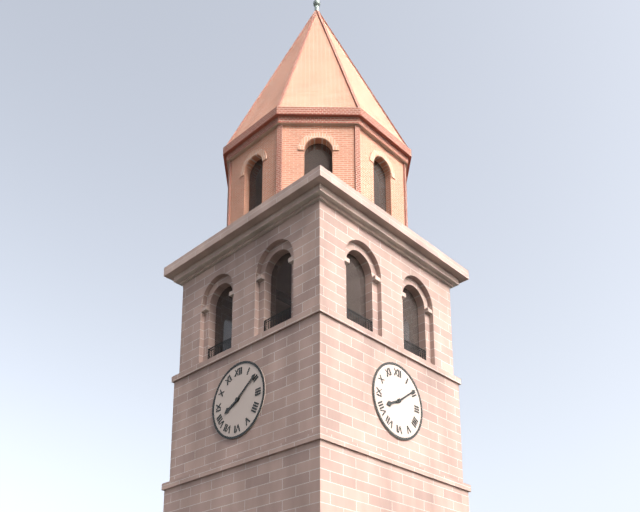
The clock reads **8:09**
